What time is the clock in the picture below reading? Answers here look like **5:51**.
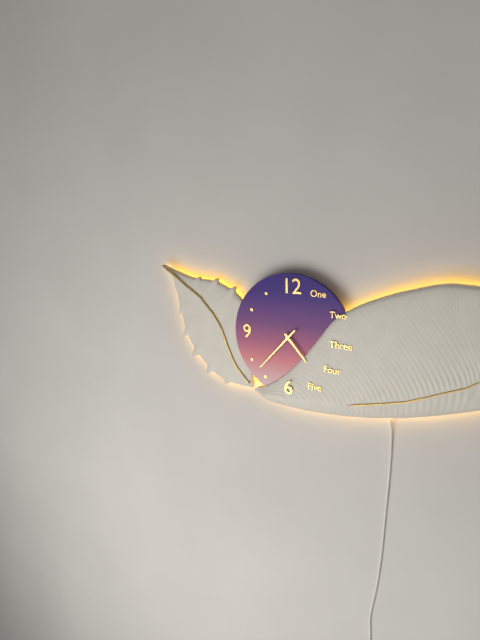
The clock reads **4:37**
